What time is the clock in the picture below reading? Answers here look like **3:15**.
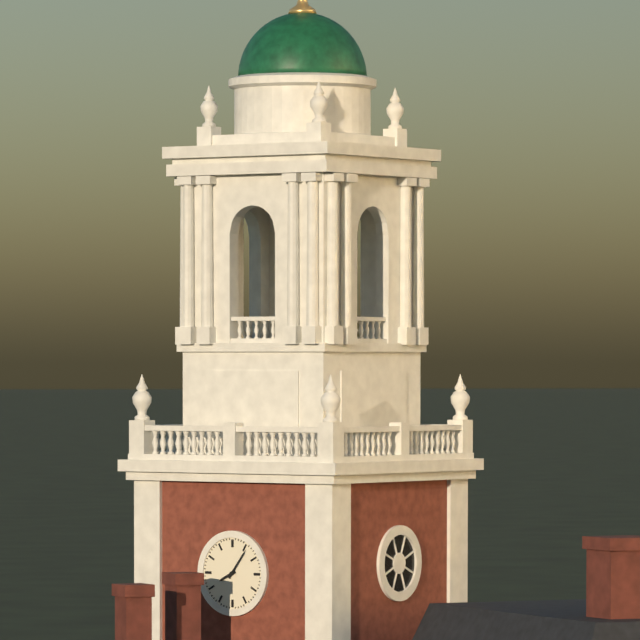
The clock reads **8:06**
